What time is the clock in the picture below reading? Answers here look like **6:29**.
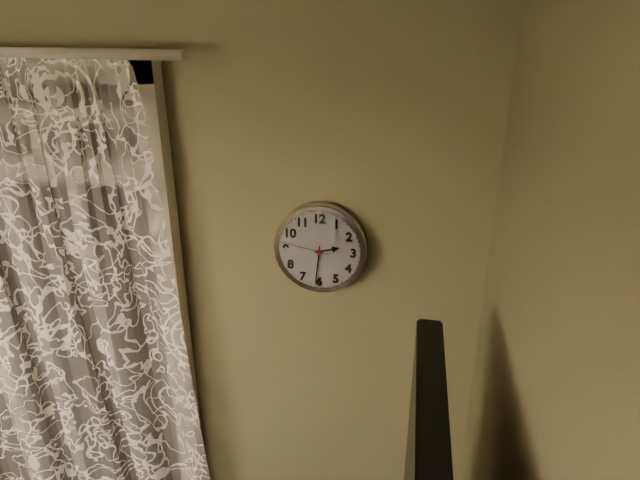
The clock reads **2:31**
